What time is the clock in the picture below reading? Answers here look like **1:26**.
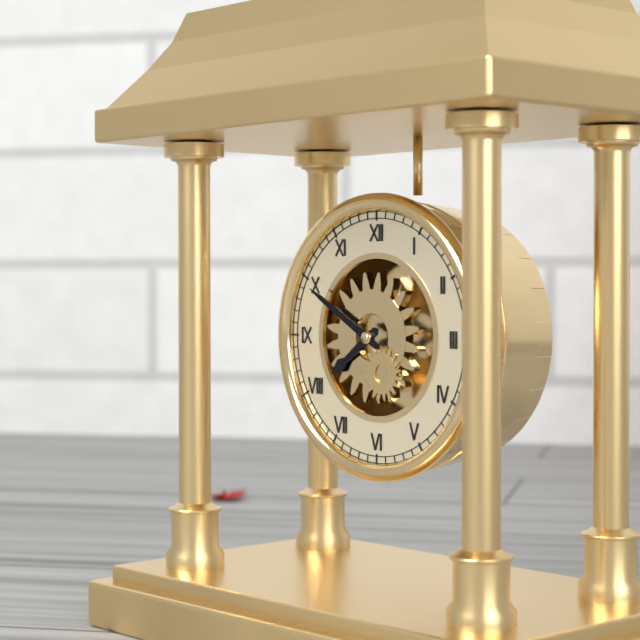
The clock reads **7:50**
